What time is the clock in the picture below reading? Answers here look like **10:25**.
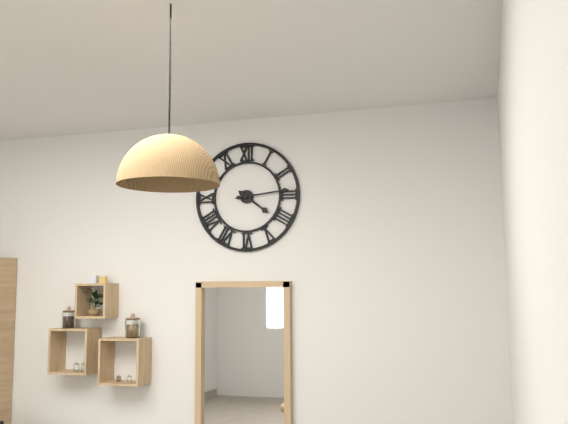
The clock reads **4:14**
